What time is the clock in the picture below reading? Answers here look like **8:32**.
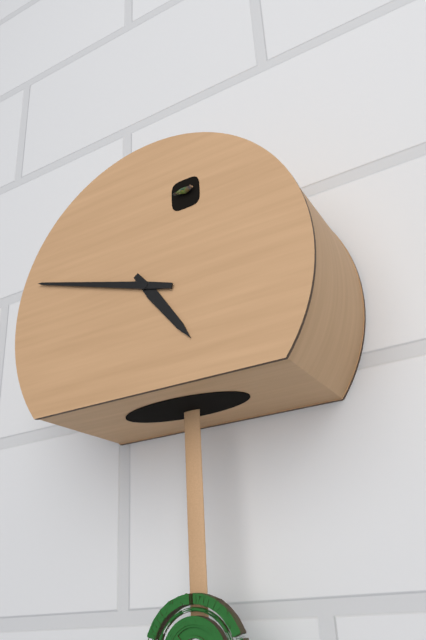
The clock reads **4:48**
